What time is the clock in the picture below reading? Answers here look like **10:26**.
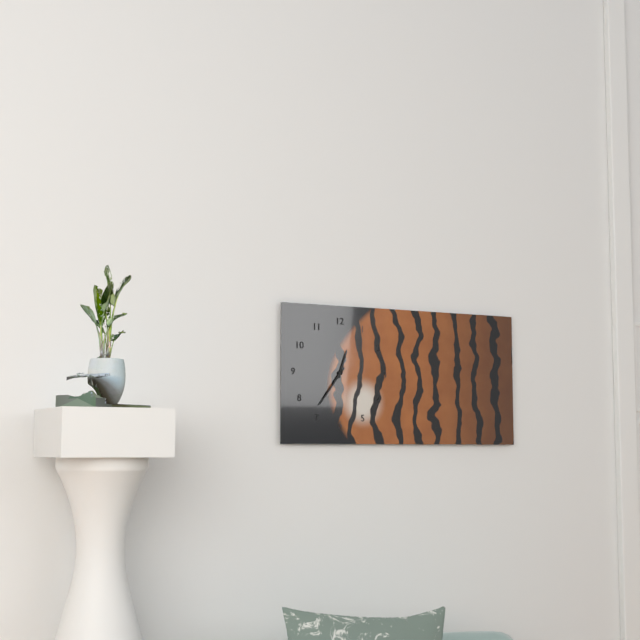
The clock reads **12:36**
